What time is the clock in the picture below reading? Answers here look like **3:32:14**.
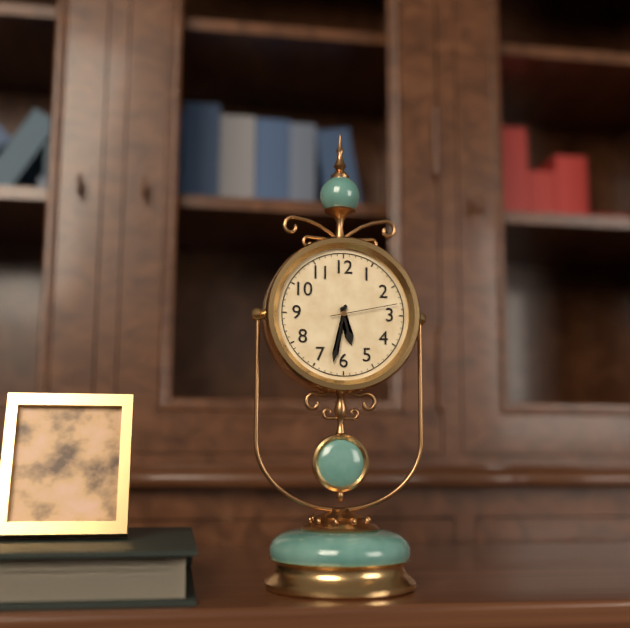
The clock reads **5:32:13**
